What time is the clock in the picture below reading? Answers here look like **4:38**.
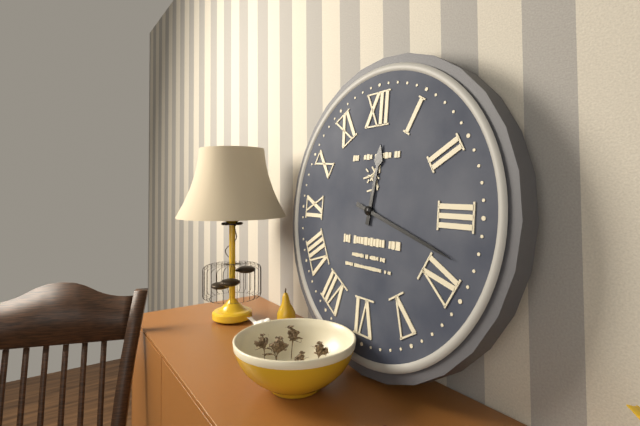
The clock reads **12:18**
